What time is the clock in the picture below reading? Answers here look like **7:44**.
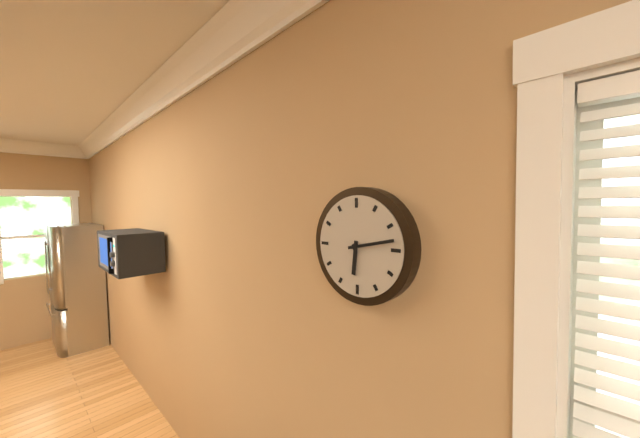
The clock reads **6:13**
